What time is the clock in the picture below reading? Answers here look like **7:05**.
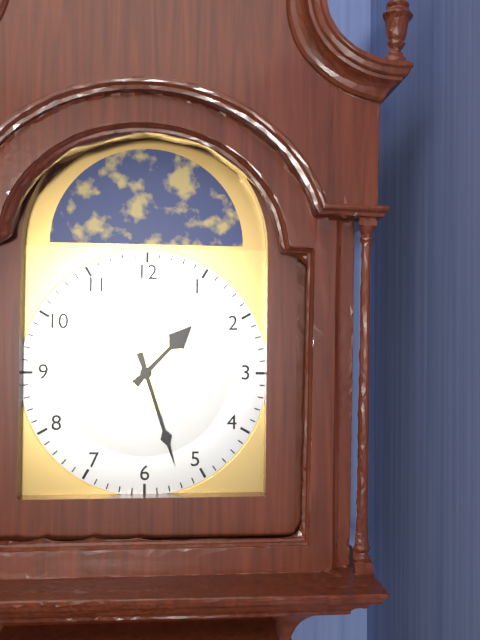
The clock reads **1:27**
